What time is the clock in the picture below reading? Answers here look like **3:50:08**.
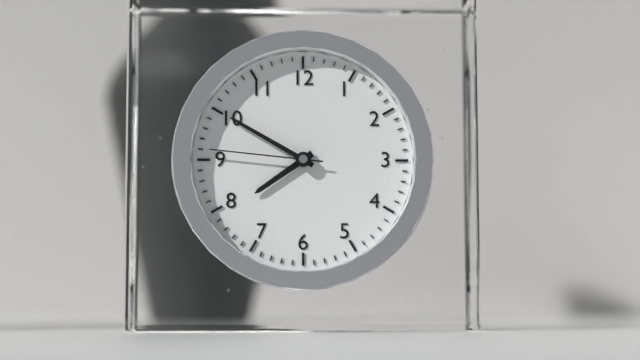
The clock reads **7:50:46**
